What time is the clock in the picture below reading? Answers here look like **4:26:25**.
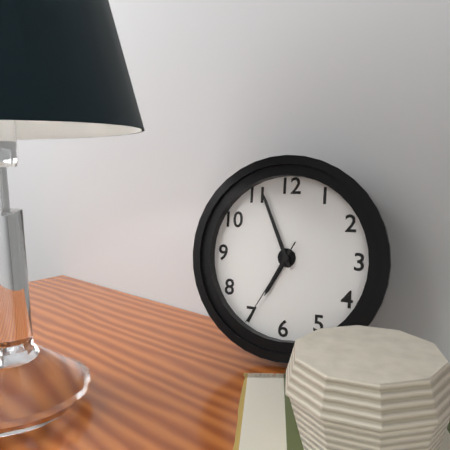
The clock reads **6:56:35**
